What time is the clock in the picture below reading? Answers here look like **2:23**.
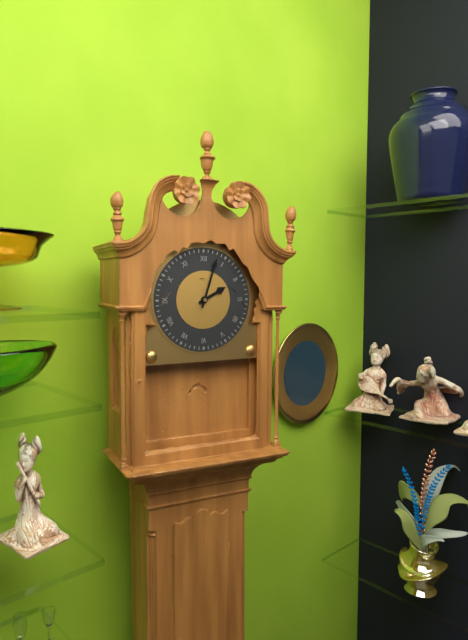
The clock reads **2:03**
